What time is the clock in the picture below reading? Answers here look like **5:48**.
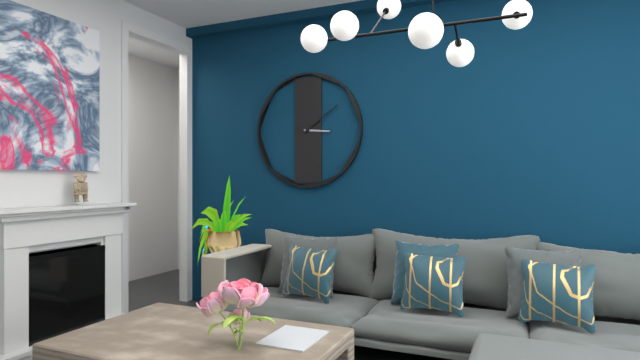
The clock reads **3:09**
